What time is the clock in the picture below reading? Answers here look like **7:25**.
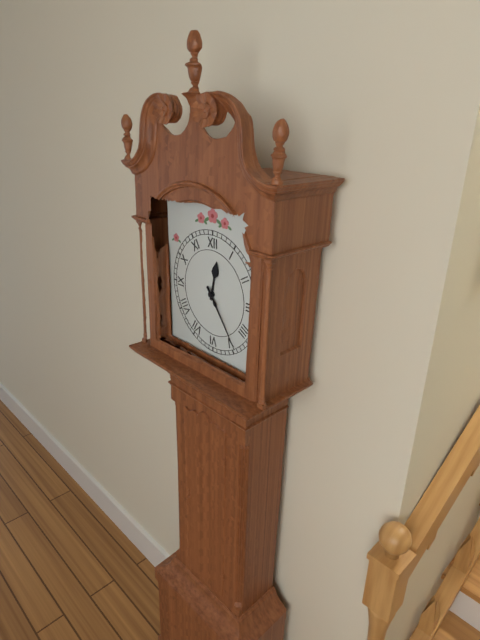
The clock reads **12:24**
